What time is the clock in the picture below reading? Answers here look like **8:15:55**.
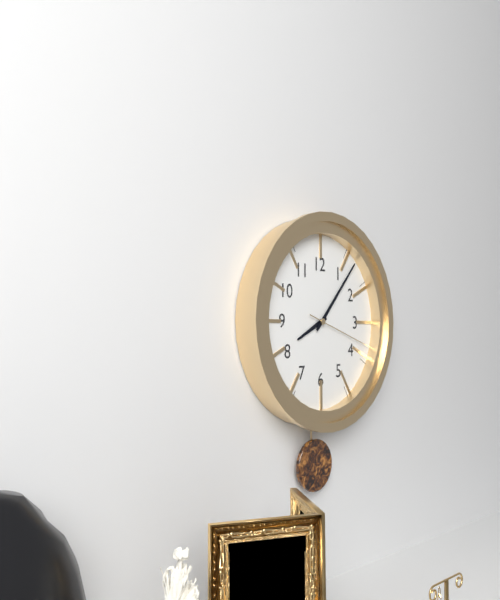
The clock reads **8:07:18**
